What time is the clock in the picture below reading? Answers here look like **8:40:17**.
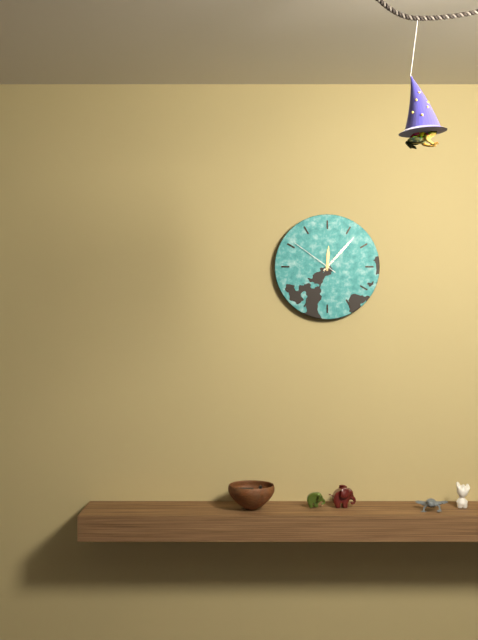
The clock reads **12:07:51**
